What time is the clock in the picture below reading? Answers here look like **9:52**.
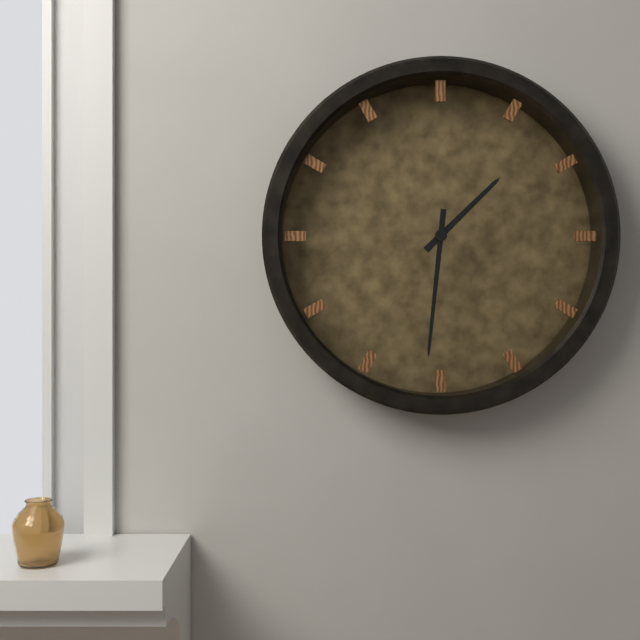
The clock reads **1:31**
